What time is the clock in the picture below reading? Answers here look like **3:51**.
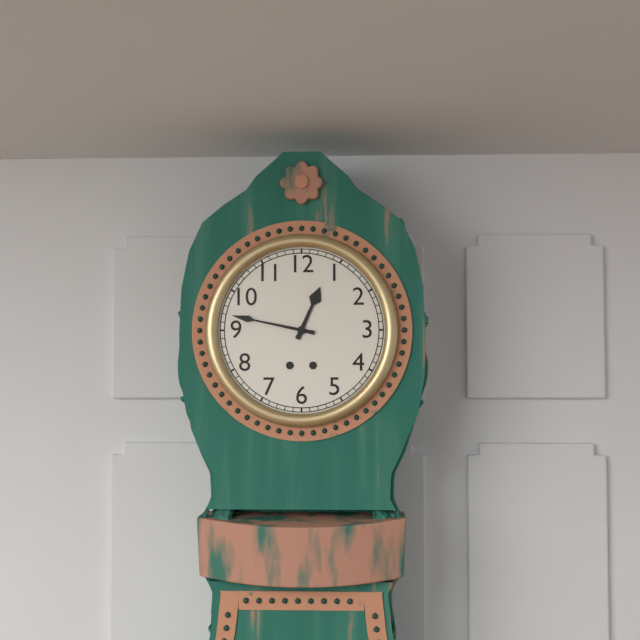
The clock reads **12:47**
